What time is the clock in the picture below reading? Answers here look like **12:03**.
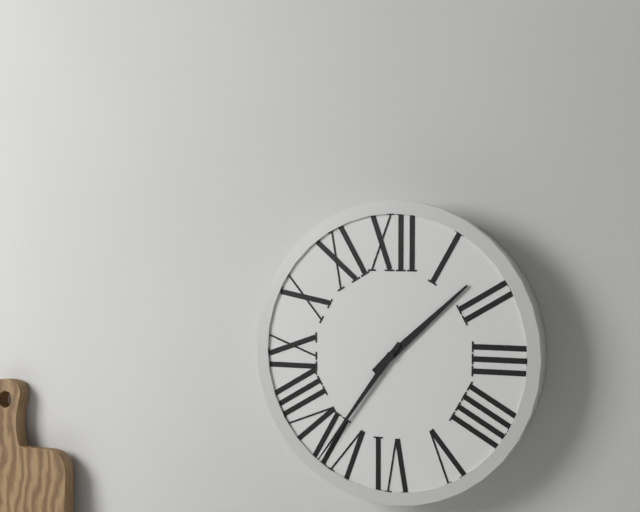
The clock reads **1:36**
